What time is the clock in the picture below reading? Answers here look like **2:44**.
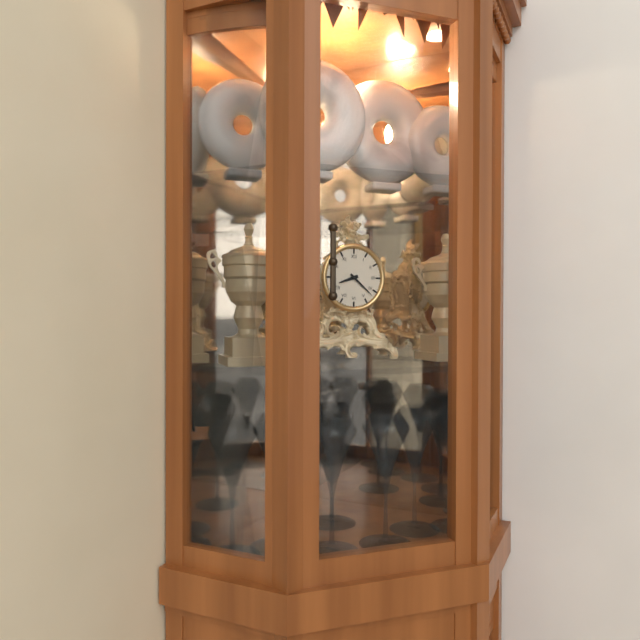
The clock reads **8:22**
